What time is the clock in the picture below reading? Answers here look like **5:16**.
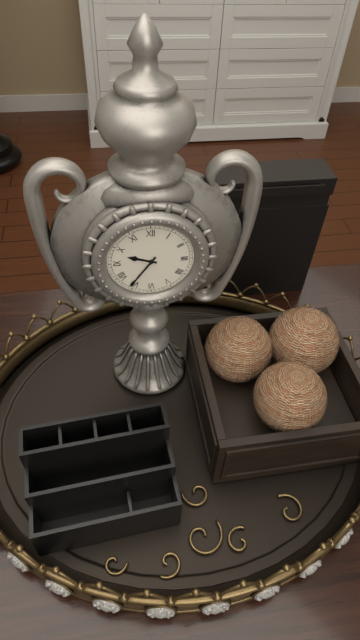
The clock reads **9:36**
